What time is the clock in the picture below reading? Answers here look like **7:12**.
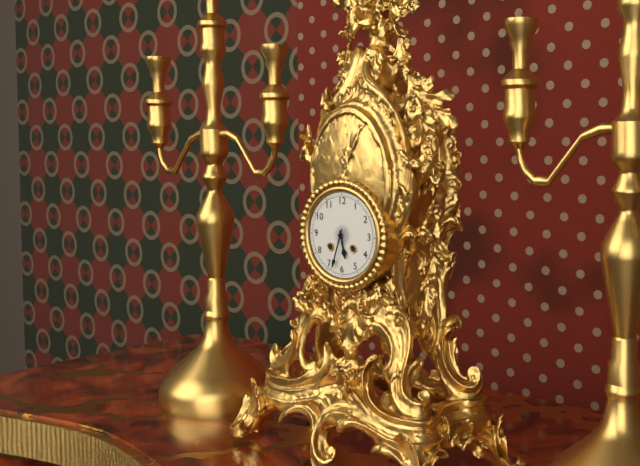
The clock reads **5:33**
